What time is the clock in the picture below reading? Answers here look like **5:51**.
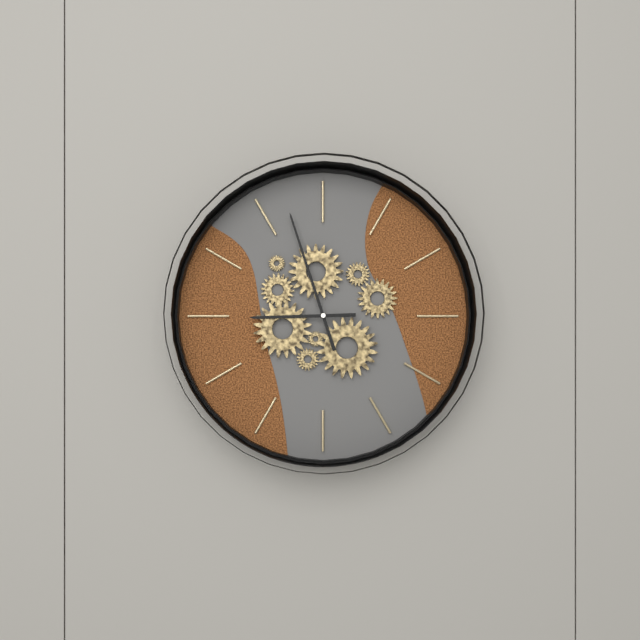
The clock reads **8:57**
